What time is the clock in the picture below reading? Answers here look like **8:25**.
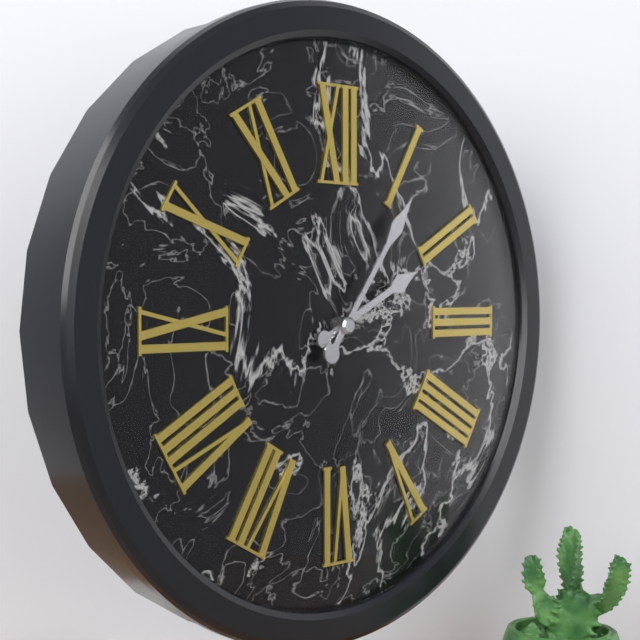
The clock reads **2:06**
